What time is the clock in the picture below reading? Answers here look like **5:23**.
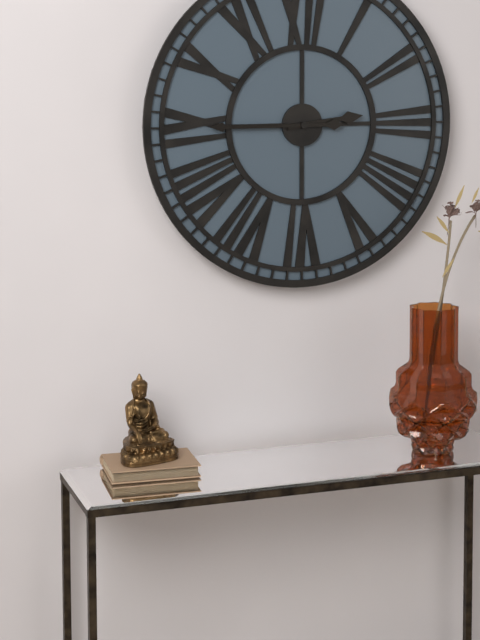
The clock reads **2:45**
